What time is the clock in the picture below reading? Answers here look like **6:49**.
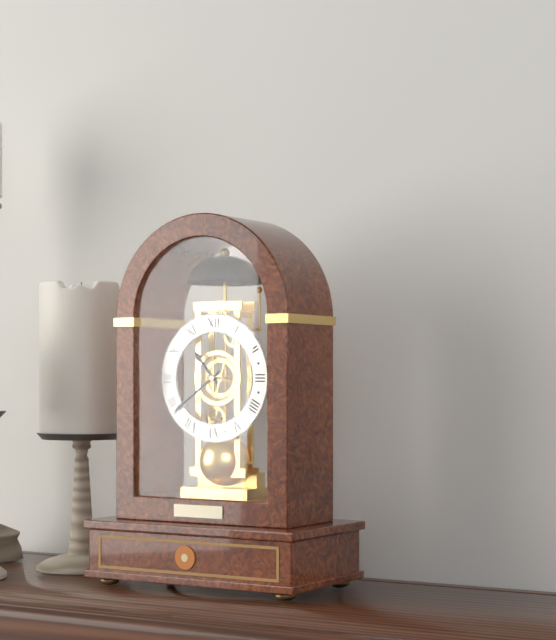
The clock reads **10:39**
